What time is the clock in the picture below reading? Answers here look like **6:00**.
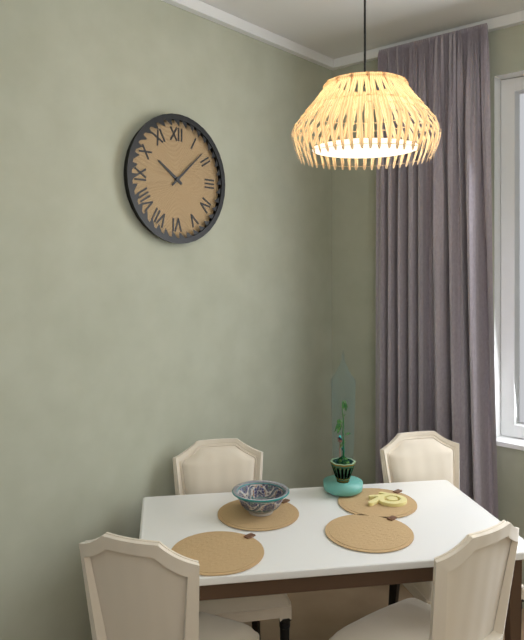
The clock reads **10:08**
